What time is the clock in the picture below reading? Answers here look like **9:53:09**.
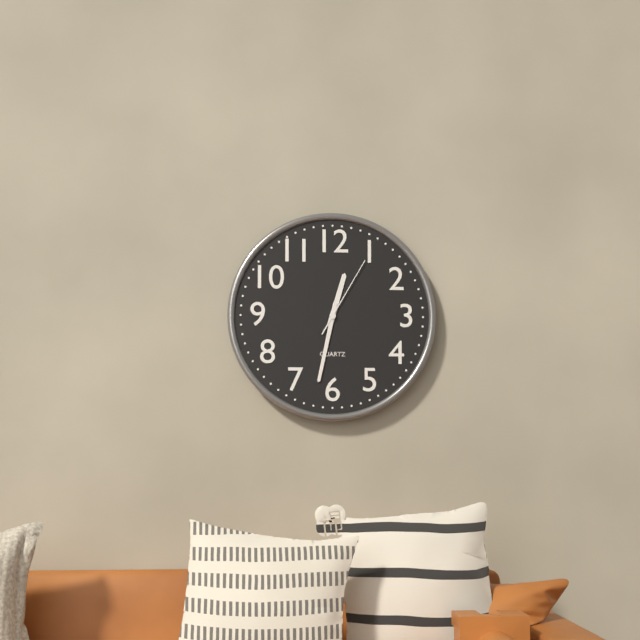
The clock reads **12:32:05**
